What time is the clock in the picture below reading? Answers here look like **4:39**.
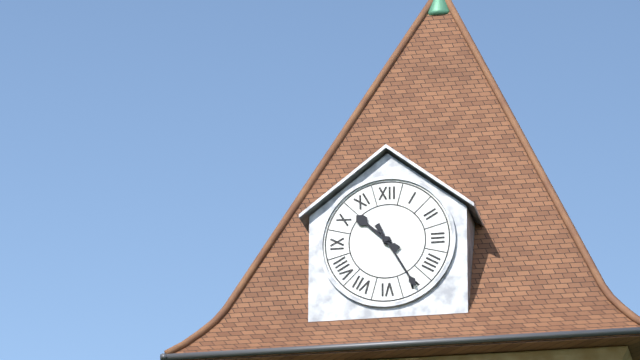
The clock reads **10:25**
